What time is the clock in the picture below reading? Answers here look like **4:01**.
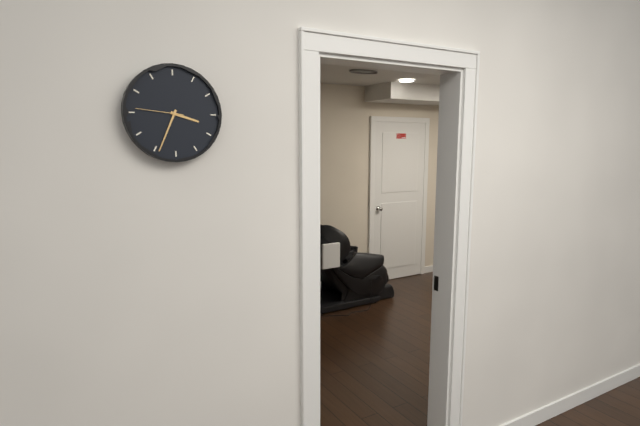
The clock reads **3:34**
